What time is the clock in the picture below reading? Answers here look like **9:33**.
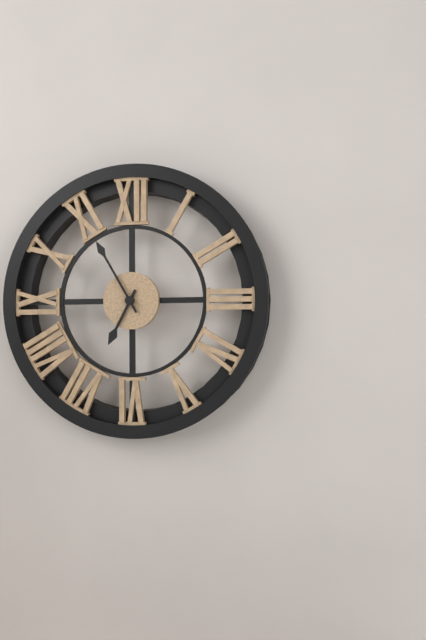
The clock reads **6:55**
